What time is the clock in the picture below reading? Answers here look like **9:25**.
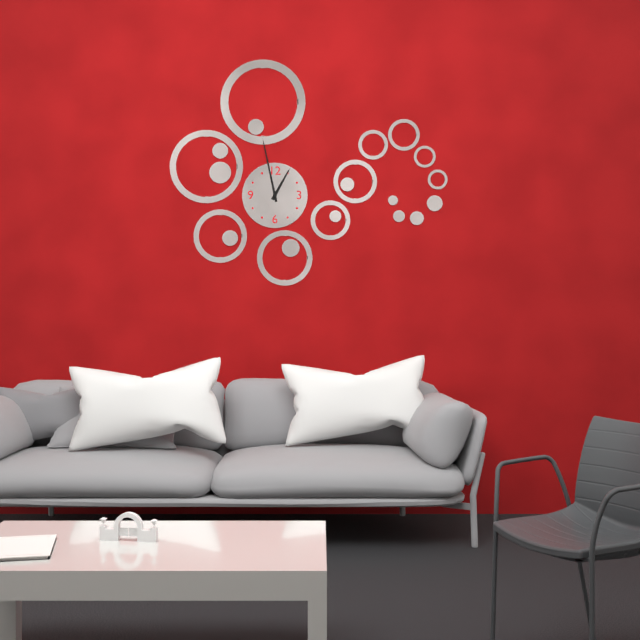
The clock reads **12:58**
